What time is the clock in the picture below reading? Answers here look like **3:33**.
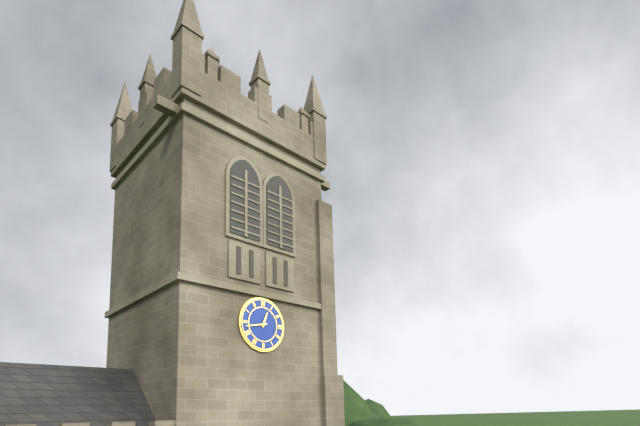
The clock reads **12:43**
